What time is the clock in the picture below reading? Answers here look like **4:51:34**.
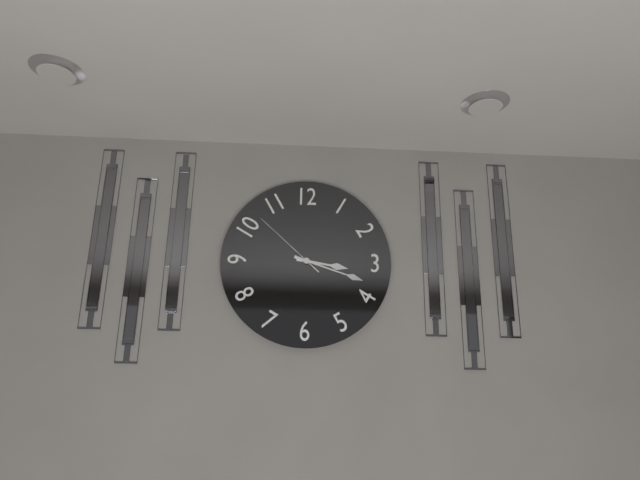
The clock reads **3:18:52**
